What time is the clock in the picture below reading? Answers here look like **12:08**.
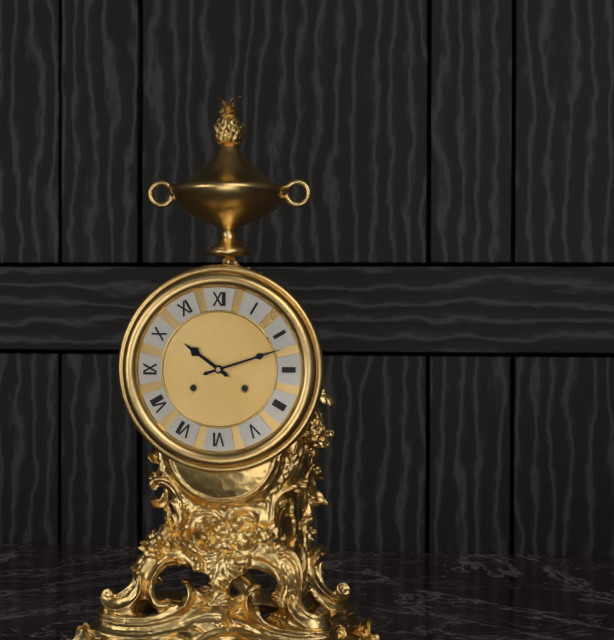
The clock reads **10:12**
